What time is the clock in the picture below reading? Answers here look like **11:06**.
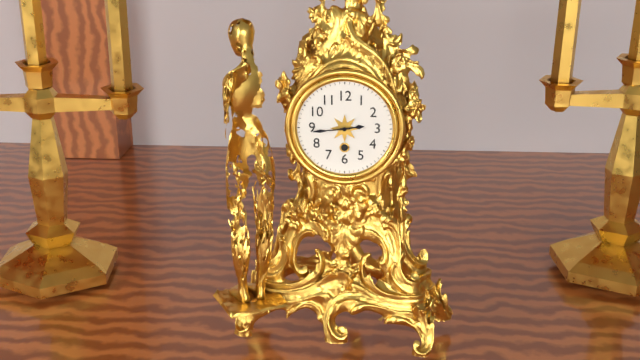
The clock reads **2:44**
